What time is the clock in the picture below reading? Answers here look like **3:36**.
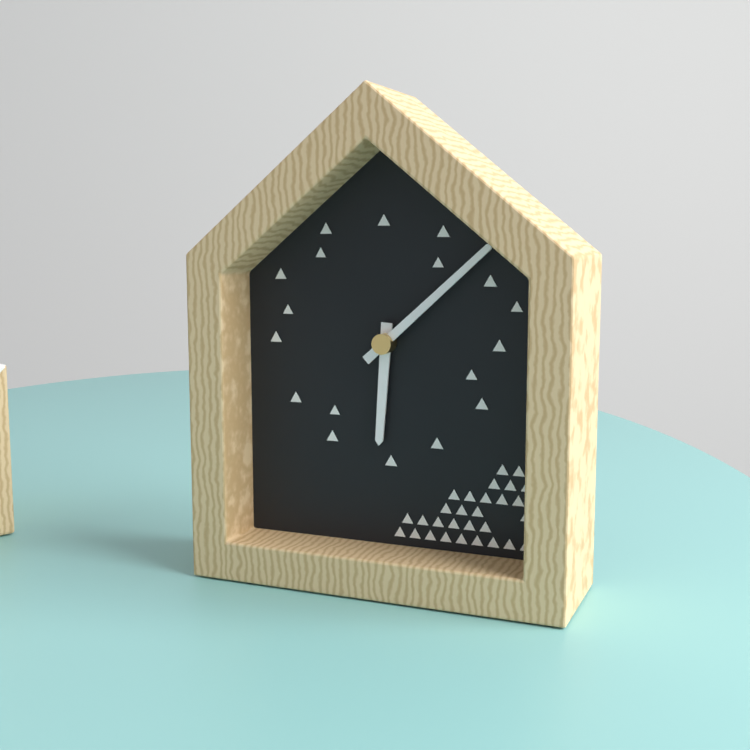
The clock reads **6:08**
